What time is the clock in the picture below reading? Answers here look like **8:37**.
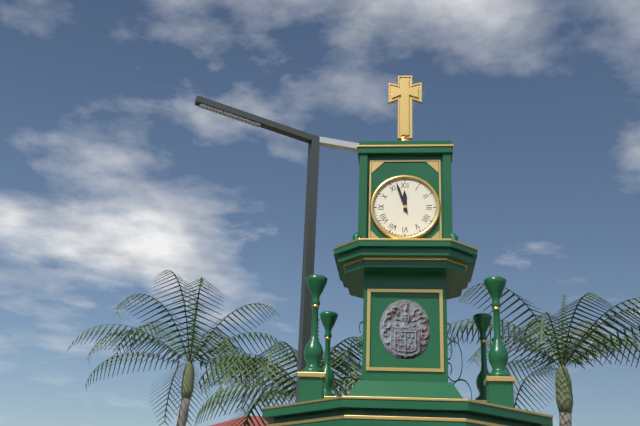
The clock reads **11:57**
